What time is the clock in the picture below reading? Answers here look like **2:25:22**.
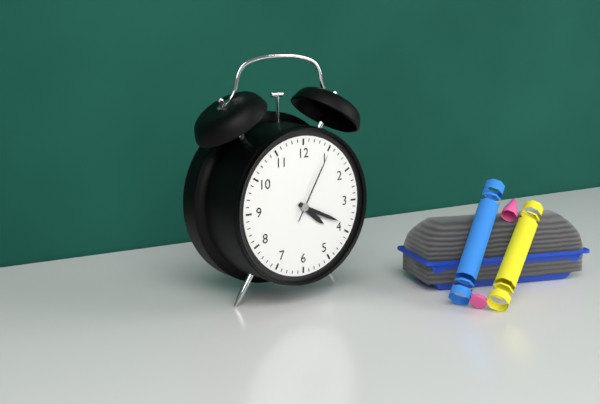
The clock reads **4:19:05**
